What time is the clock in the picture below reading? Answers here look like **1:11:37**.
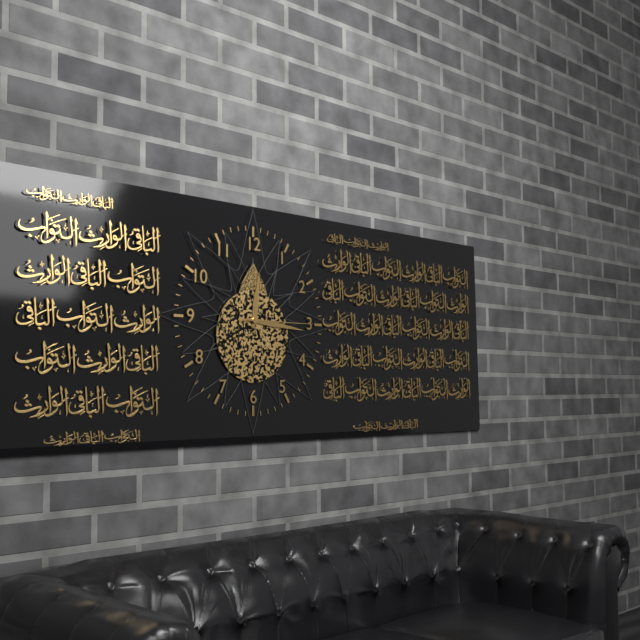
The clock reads **12:16:15**
